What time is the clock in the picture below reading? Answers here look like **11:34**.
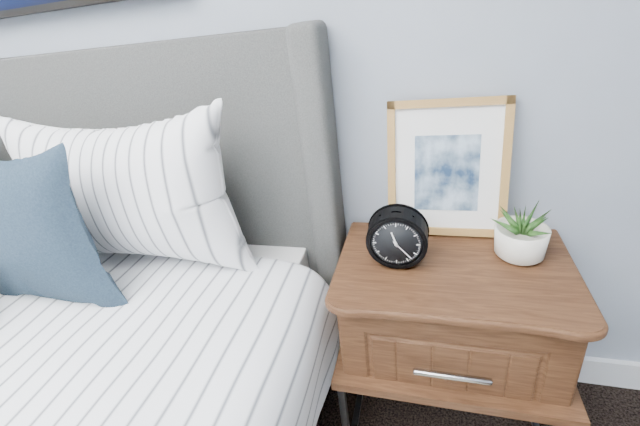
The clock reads **11:23**
